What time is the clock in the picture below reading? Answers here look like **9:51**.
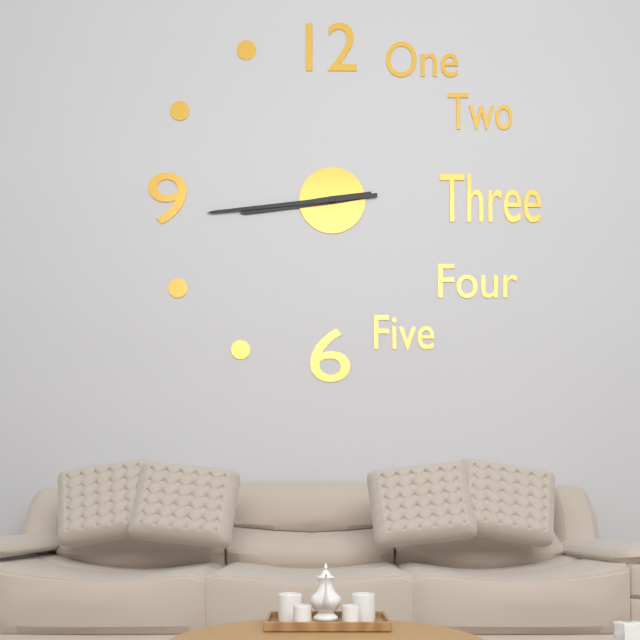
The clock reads **8:44**
